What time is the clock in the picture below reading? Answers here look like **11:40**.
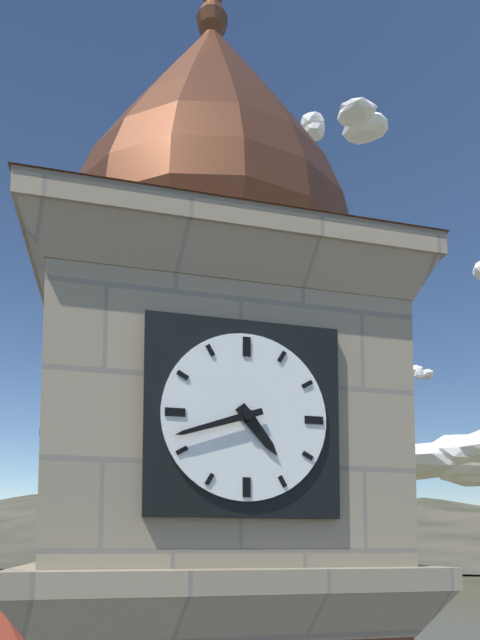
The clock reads **4:42**
